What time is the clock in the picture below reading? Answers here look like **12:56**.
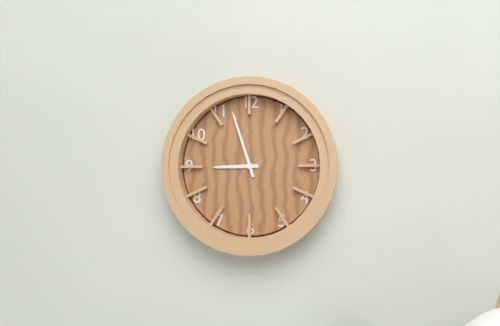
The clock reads **8:57**
